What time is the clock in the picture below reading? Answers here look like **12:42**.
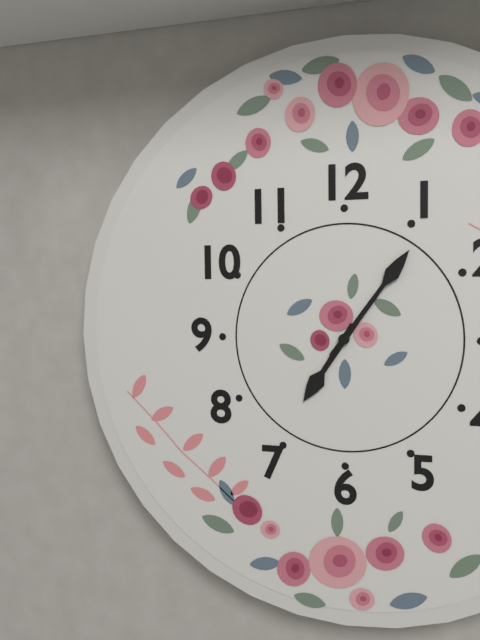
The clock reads **7:06**
